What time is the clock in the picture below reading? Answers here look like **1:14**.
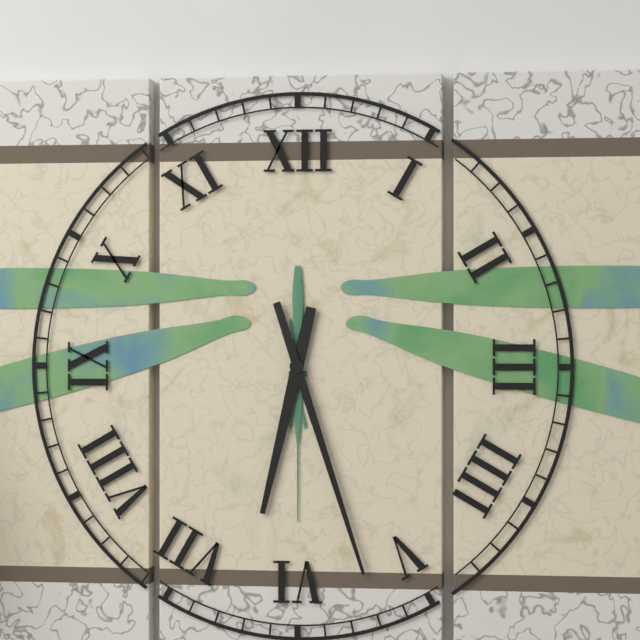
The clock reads **6:27**
